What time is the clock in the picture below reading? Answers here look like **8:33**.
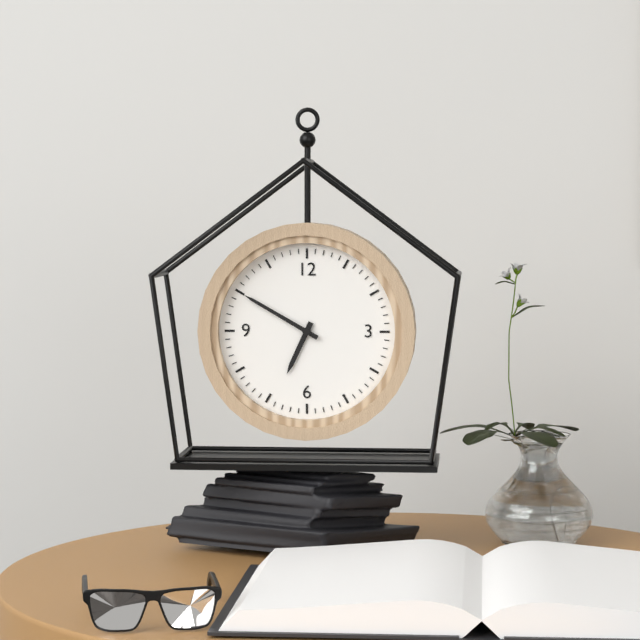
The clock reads **6:50**
